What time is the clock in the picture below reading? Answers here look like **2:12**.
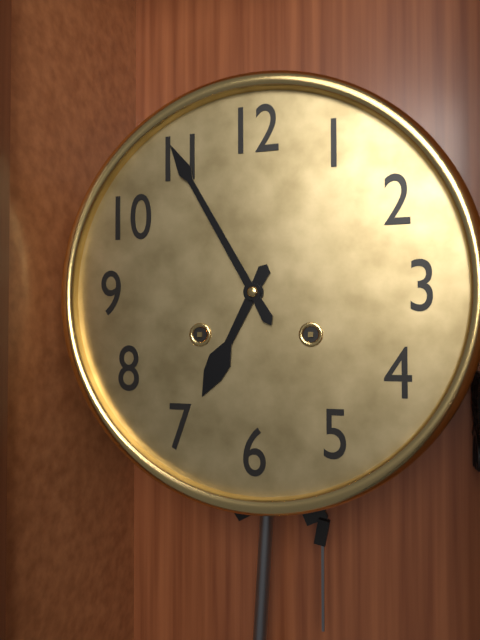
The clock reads **6:55**
